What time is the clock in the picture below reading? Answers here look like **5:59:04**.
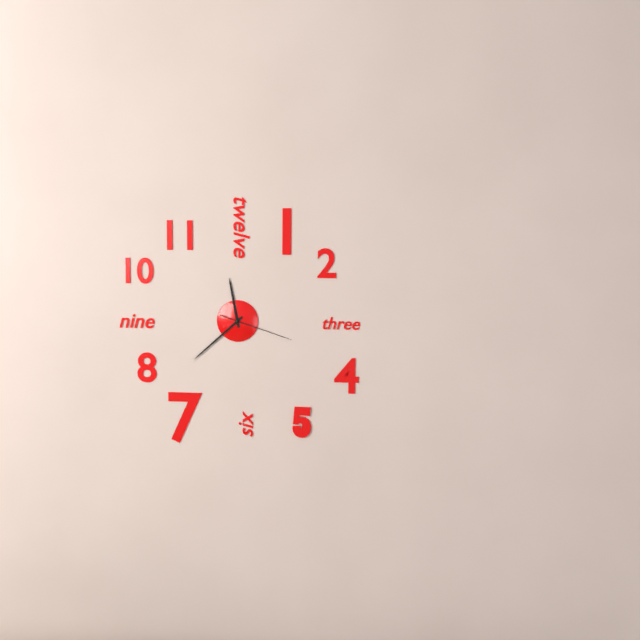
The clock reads **11:38:18**
